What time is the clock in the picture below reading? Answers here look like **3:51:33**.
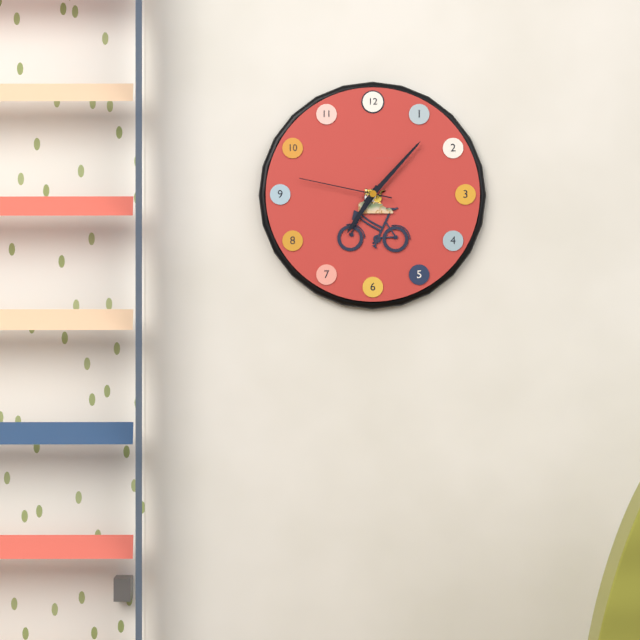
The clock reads **7:07:47**
